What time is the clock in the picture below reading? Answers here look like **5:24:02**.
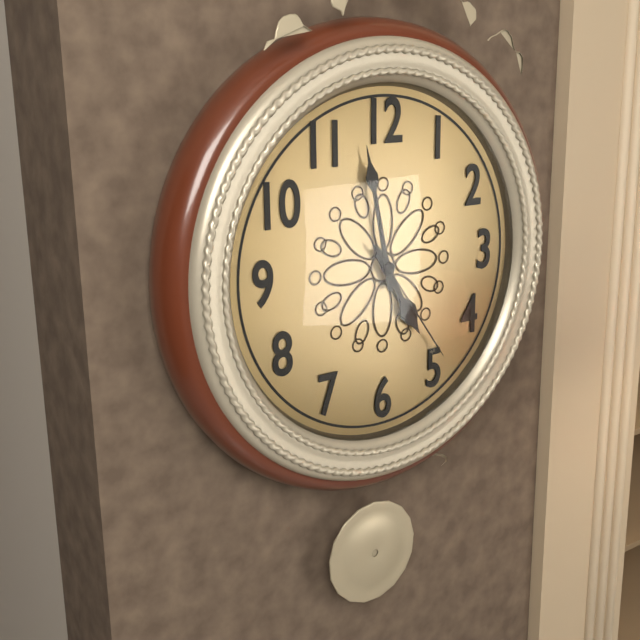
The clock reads **4:58:24**
